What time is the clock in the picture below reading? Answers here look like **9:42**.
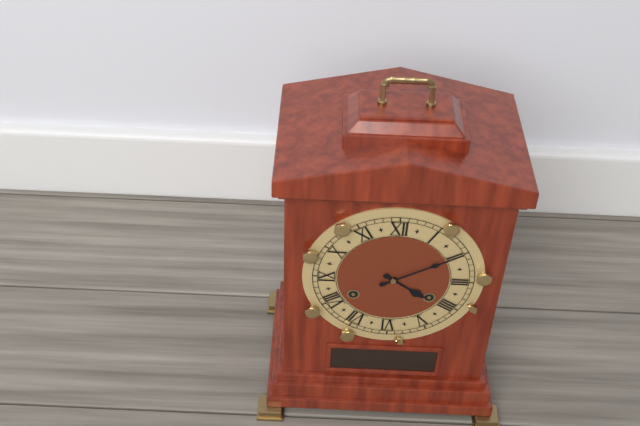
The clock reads **4:10**
